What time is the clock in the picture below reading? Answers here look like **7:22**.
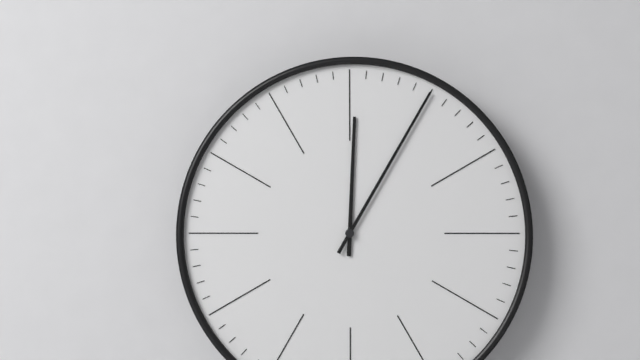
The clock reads **12:05**
